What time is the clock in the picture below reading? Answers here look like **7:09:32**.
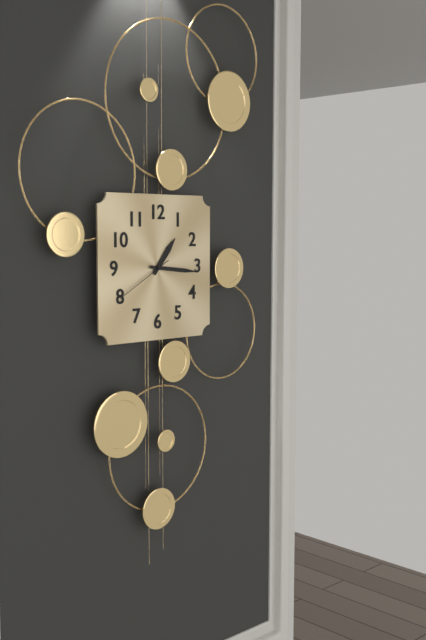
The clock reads **1:16:40**
